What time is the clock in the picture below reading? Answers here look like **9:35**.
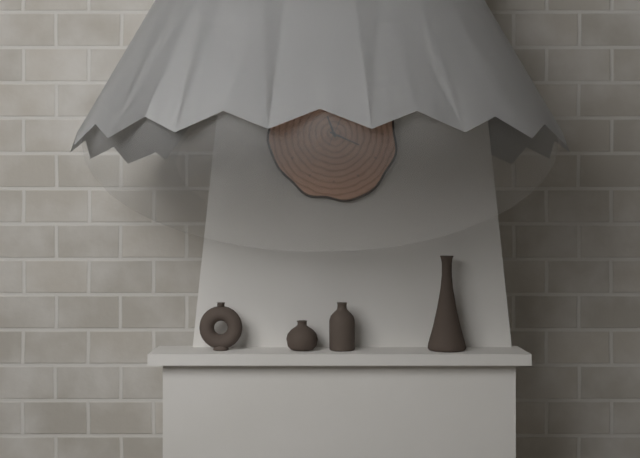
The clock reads **11:19**
